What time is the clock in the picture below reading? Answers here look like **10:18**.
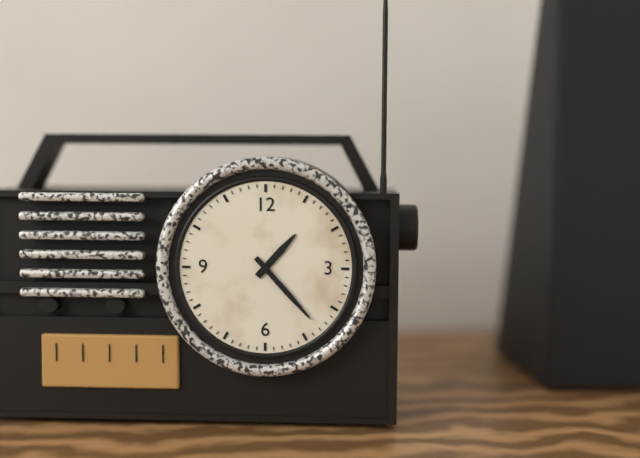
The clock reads **1:23**
